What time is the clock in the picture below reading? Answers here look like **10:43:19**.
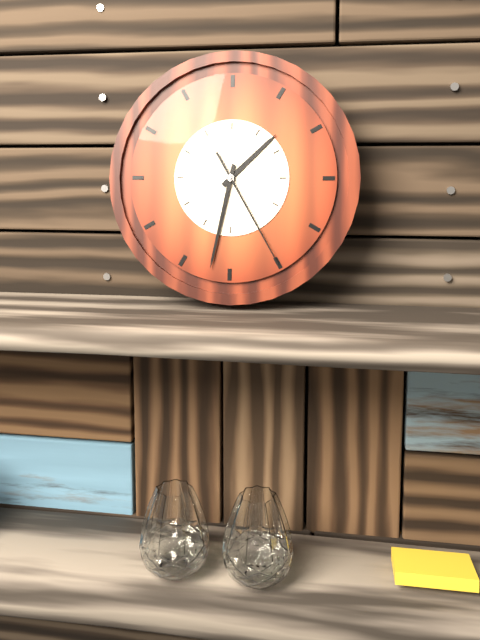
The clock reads **1:32:25**
